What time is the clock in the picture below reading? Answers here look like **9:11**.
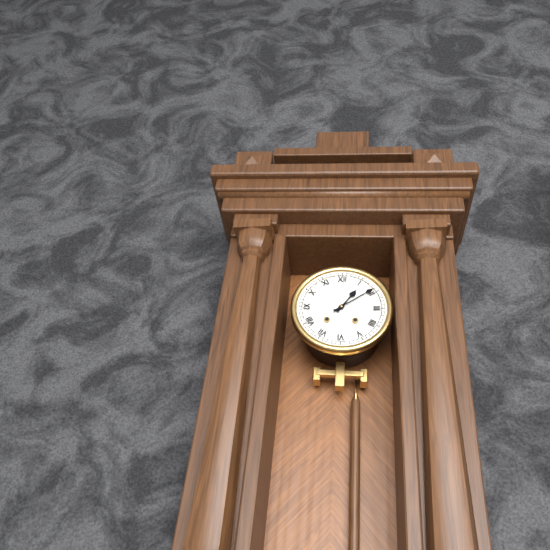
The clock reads **1:09**
